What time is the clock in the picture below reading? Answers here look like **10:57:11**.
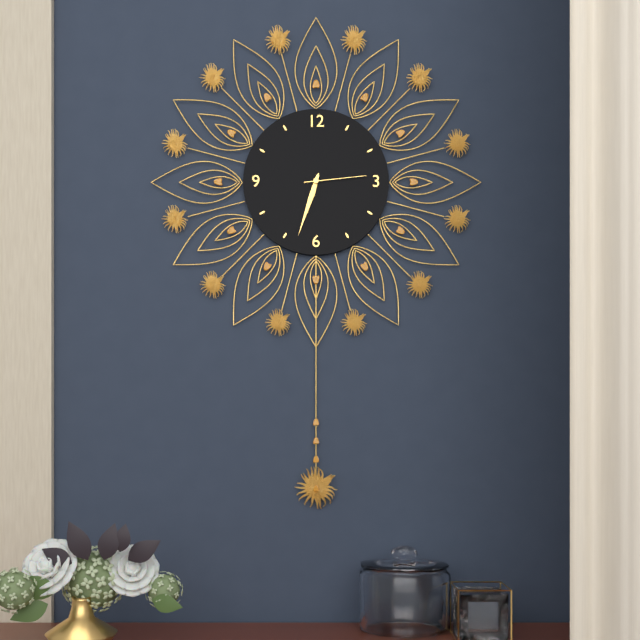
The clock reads **6:33:14**
